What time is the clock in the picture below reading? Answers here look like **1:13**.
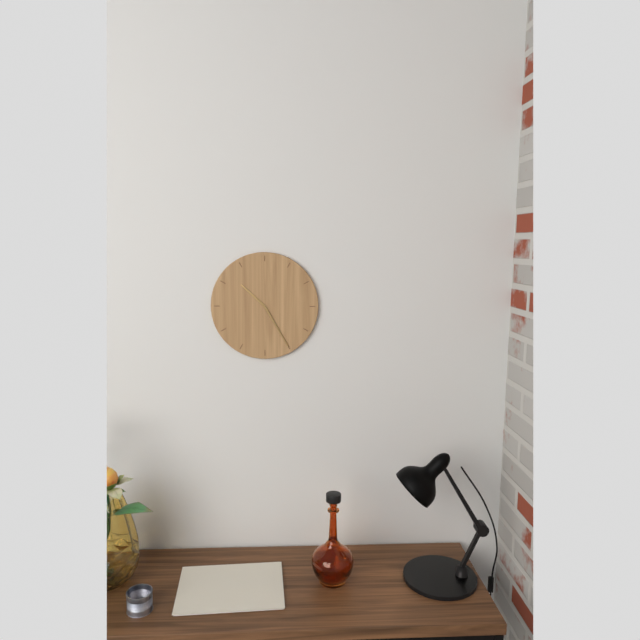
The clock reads **10:25**
